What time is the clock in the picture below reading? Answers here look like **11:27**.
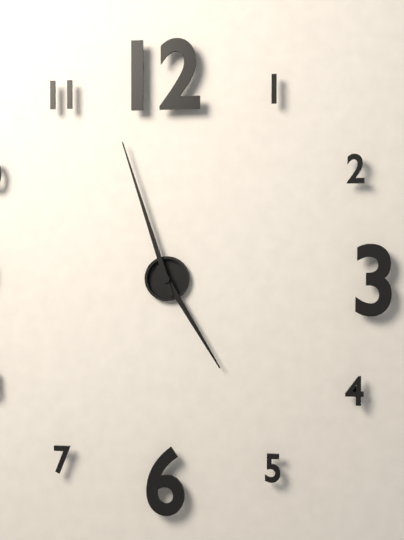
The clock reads **4:57**
